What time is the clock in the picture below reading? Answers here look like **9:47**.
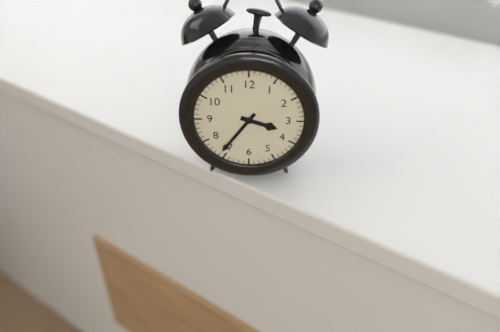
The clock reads **3:36**
